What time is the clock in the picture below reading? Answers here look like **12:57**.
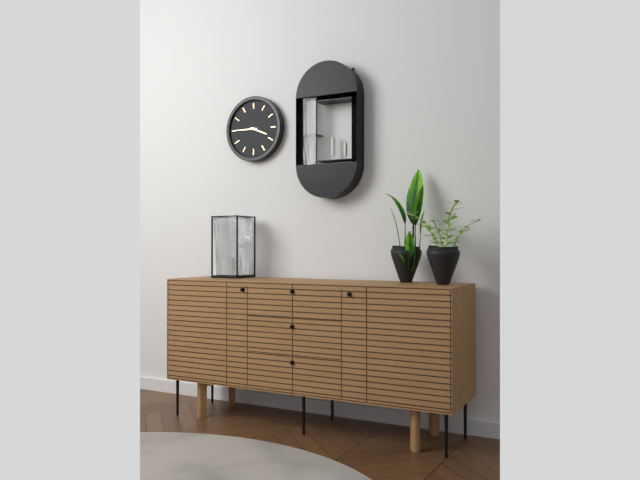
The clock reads **3:45**
